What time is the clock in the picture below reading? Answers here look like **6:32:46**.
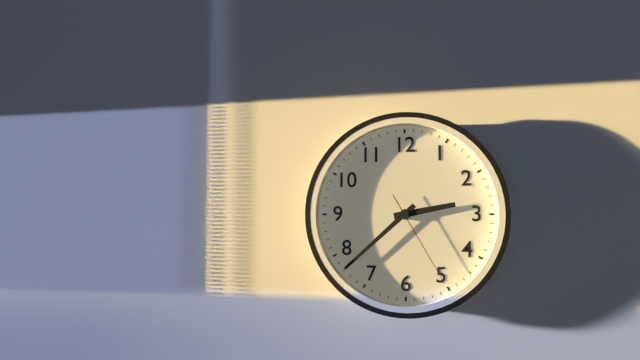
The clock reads **2:38:25**
